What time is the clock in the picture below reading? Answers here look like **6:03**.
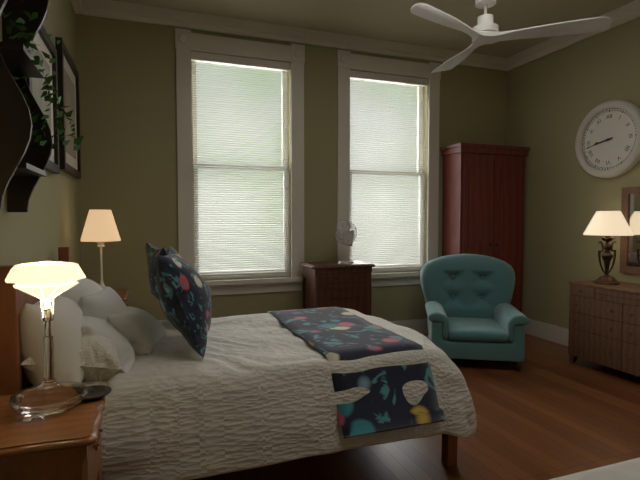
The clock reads **8:43**
